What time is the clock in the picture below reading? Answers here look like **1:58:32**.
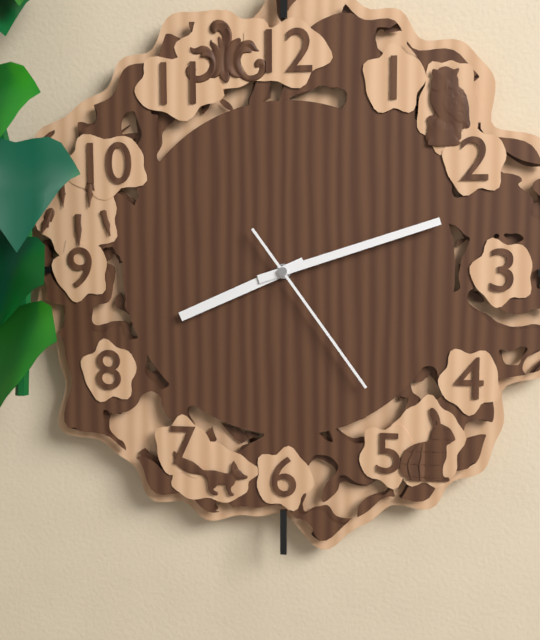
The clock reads **8:12:24**
